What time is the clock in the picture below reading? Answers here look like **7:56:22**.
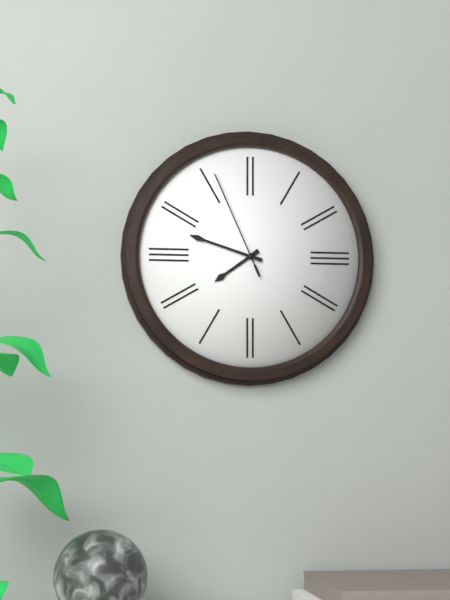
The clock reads **7:48:56**
